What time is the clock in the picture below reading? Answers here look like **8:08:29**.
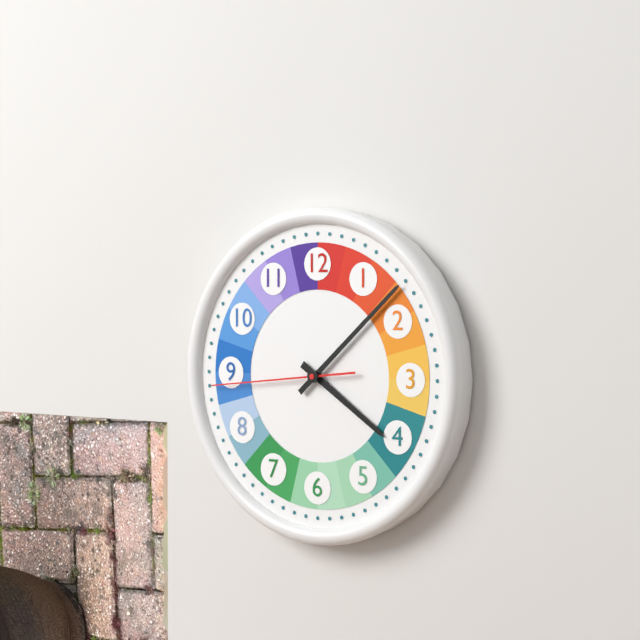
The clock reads **4:08:44**
